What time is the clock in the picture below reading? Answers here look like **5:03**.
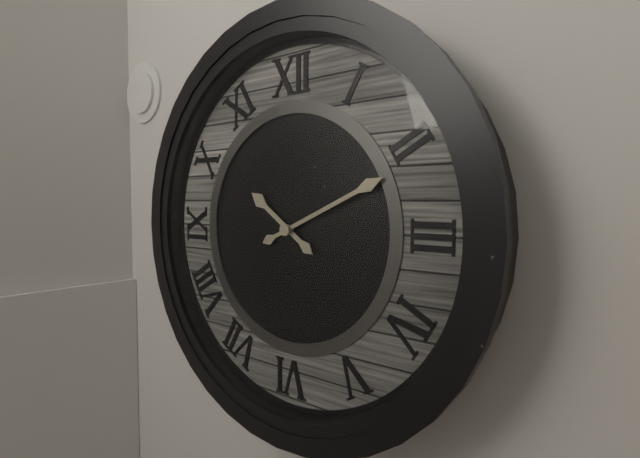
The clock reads **10:11**
